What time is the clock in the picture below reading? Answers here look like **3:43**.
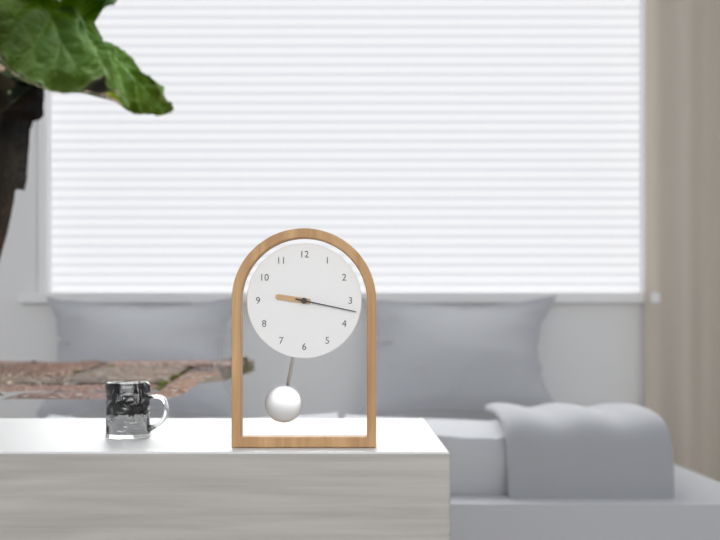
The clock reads **9:17**
